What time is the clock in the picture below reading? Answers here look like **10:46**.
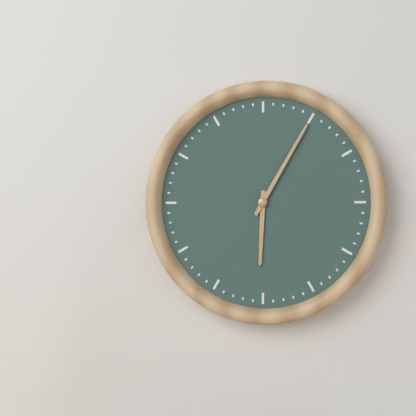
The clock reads **6:05**
